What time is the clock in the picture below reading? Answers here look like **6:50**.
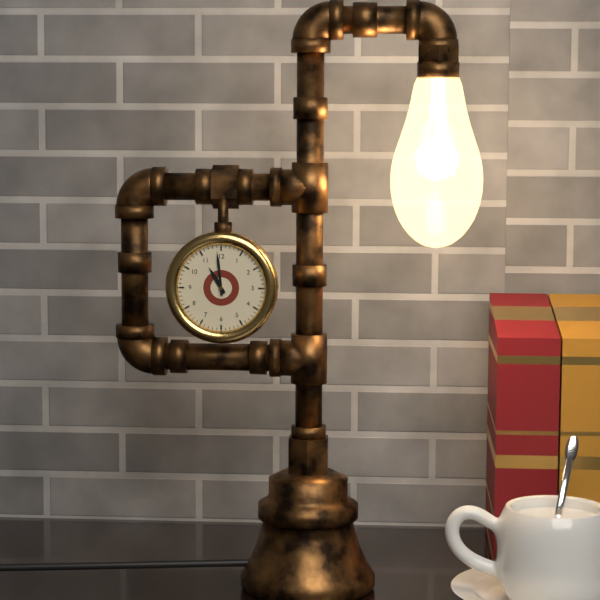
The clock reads **10:59**
